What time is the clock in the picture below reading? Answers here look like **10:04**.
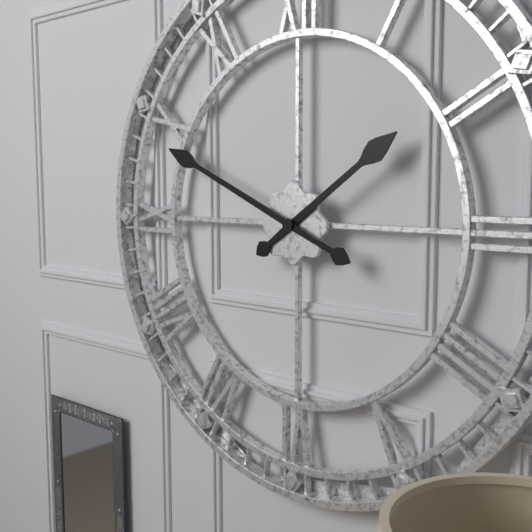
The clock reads **1:49**
